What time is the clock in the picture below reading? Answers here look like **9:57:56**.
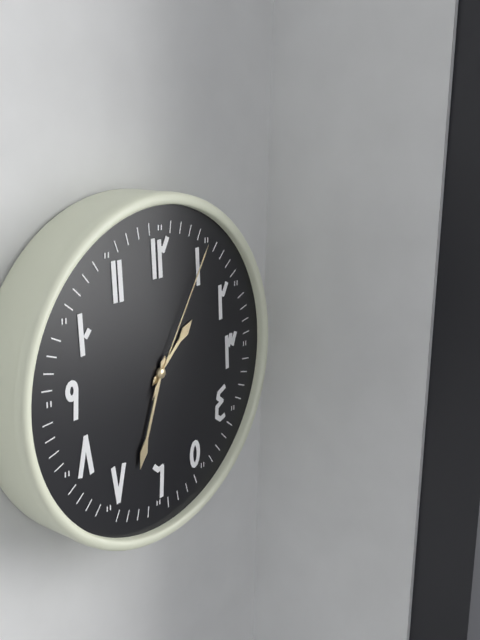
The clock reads **1:33:05**
